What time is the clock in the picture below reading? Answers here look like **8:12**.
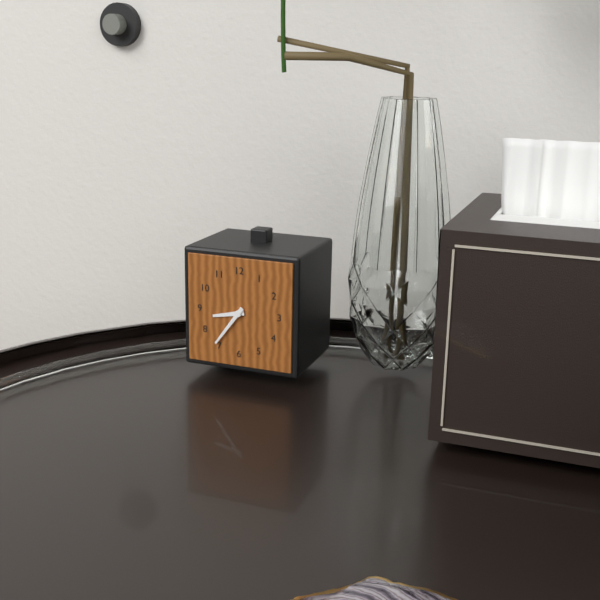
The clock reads **8:36**
